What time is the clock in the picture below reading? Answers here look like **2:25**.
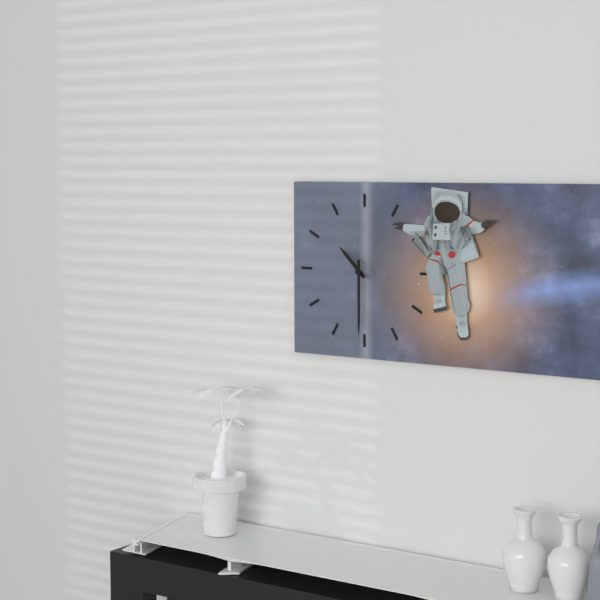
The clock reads **10:30**
